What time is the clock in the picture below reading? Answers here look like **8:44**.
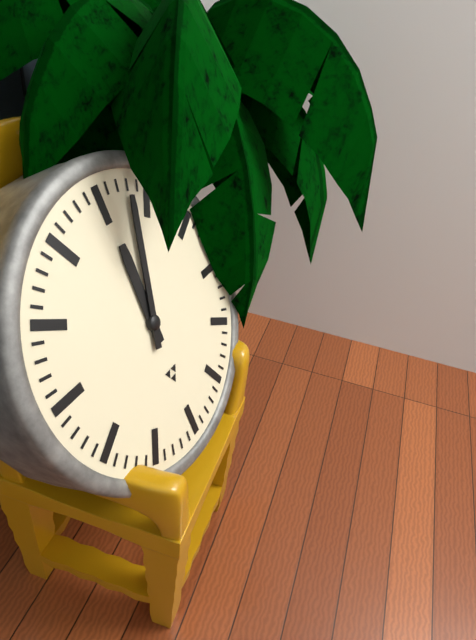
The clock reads **12:03**
